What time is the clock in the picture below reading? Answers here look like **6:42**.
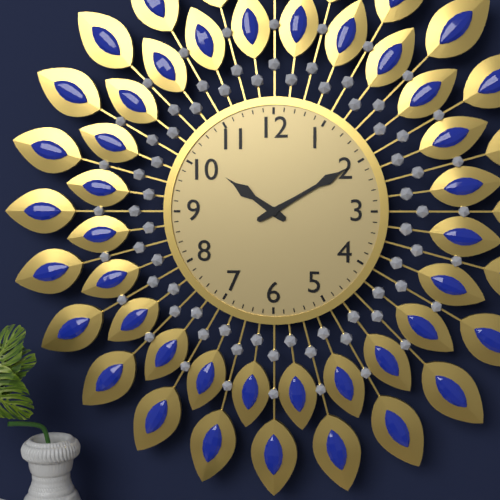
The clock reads **10:10**
